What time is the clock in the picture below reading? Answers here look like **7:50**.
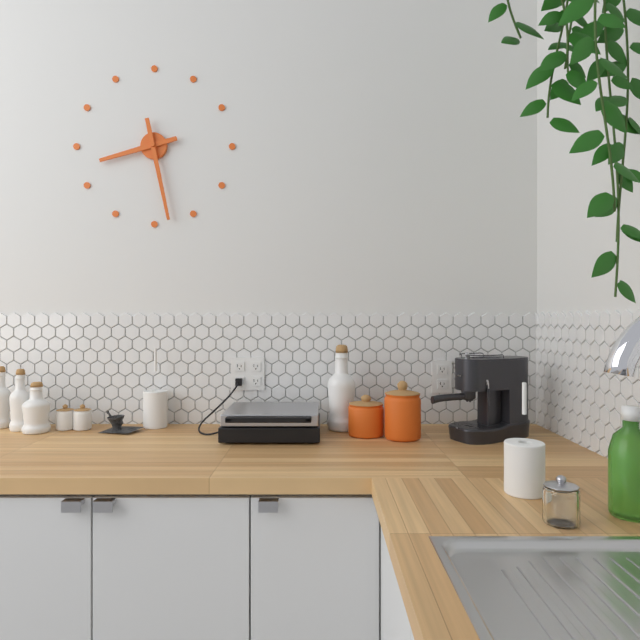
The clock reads **8:28**
